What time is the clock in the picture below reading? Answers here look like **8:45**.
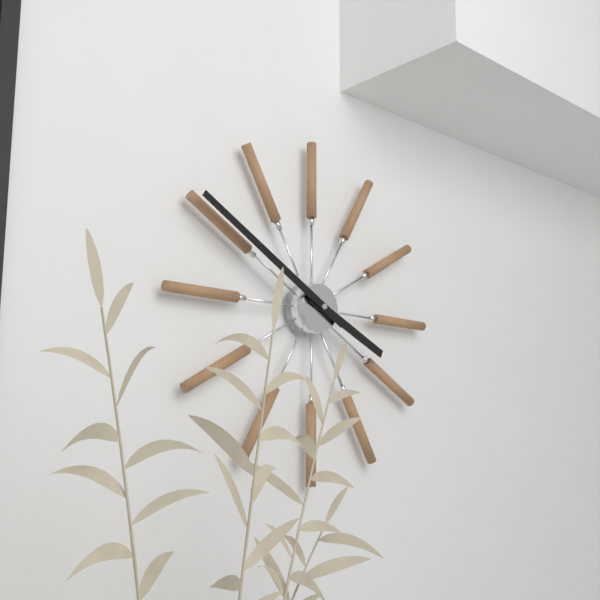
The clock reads **3:50**
